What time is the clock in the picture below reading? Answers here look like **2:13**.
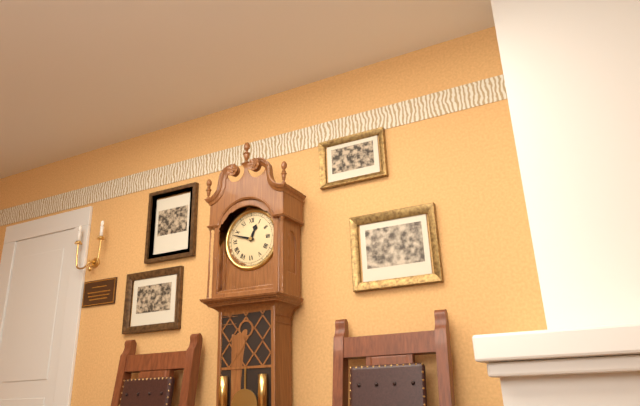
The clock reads **12:48**
